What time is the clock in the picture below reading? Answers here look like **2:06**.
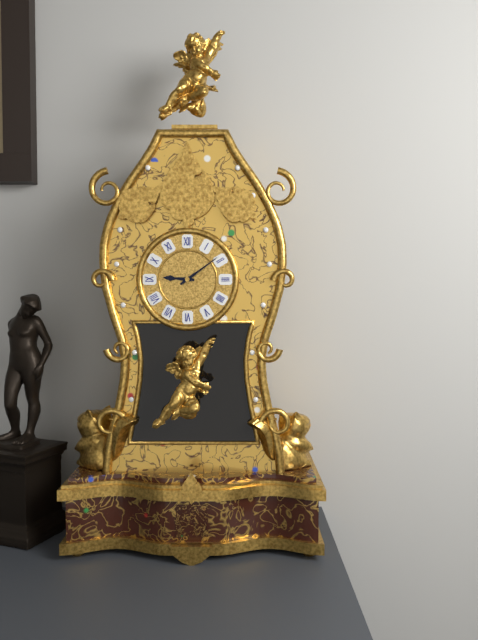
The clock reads **9:09**
